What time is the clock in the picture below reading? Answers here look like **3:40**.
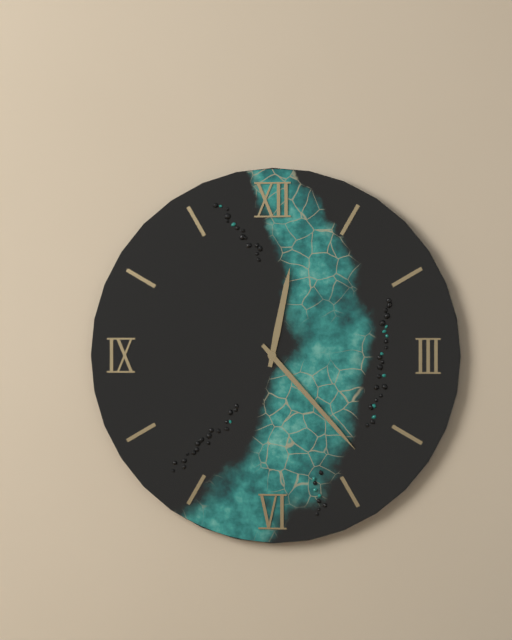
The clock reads **12:23**
